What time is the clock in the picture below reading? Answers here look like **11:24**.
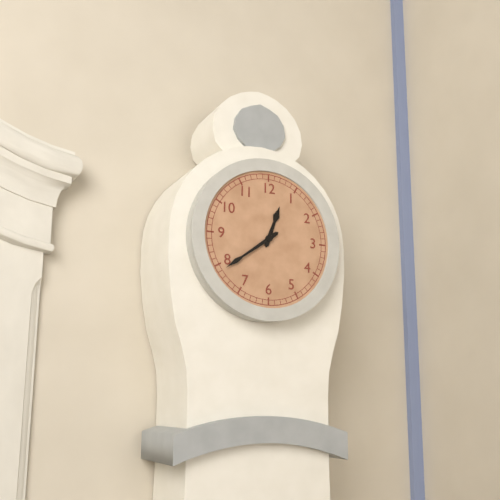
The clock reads **12:39**
